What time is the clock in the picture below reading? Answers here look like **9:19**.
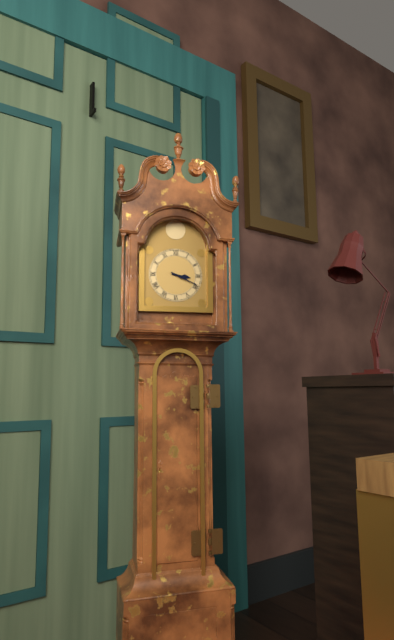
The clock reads **3:19**
